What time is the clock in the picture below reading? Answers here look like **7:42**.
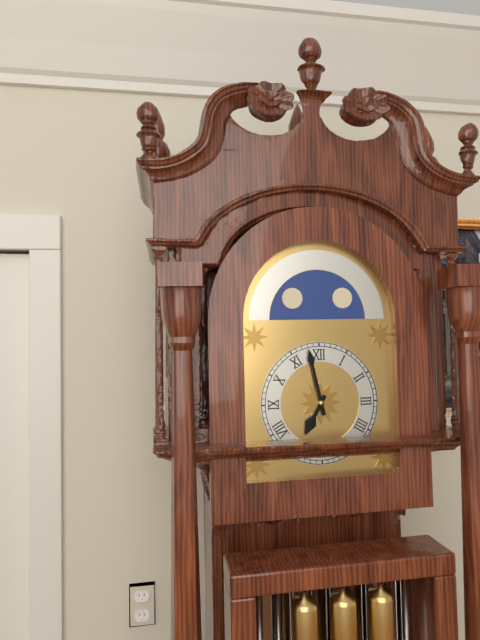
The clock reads **6:58**
